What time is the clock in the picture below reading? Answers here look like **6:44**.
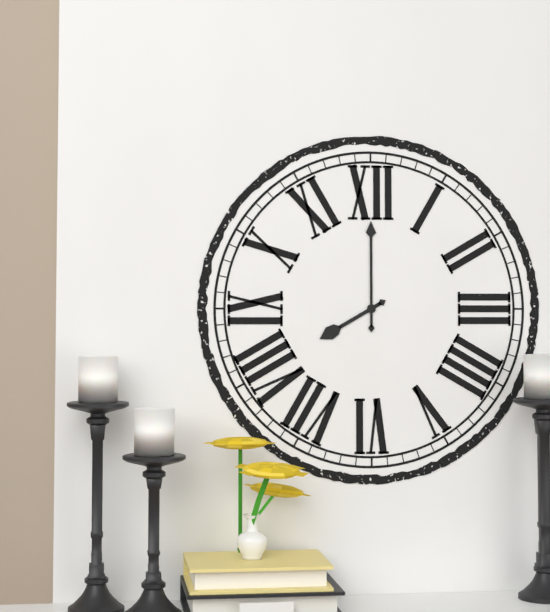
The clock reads **8:00**
